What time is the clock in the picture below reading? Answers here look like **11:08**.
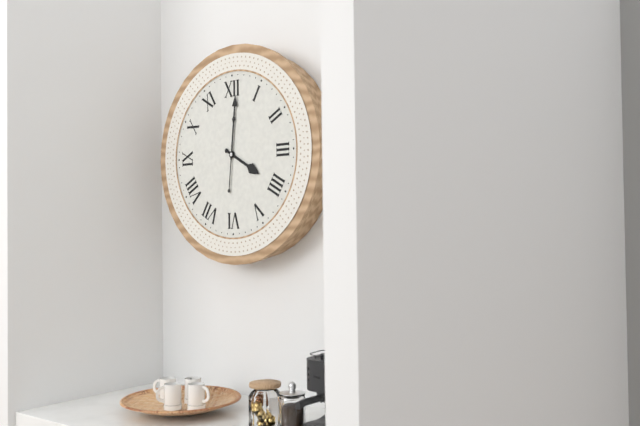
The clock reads **4:01**
